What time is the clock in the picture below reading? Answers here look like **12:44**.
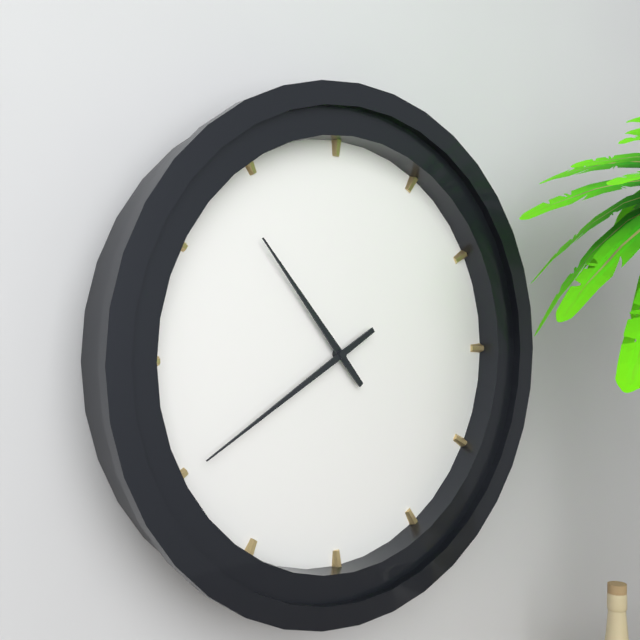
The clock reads **10:40**
